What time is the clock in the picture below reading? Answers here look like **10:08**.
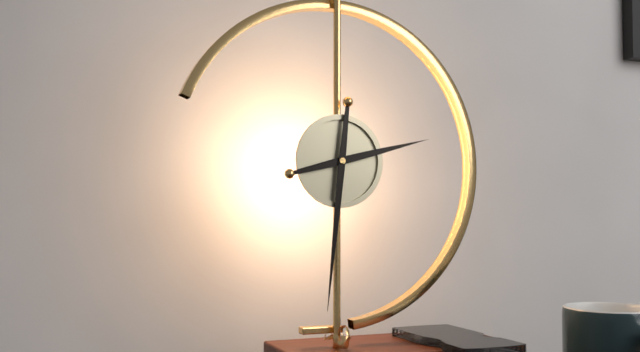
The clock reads **2:31**
